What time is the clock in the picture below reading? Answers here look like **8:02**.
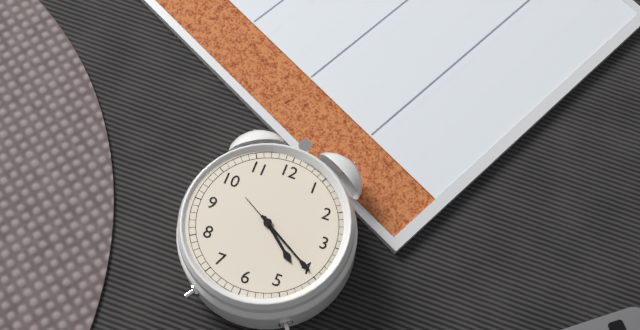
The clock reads **4:20**
